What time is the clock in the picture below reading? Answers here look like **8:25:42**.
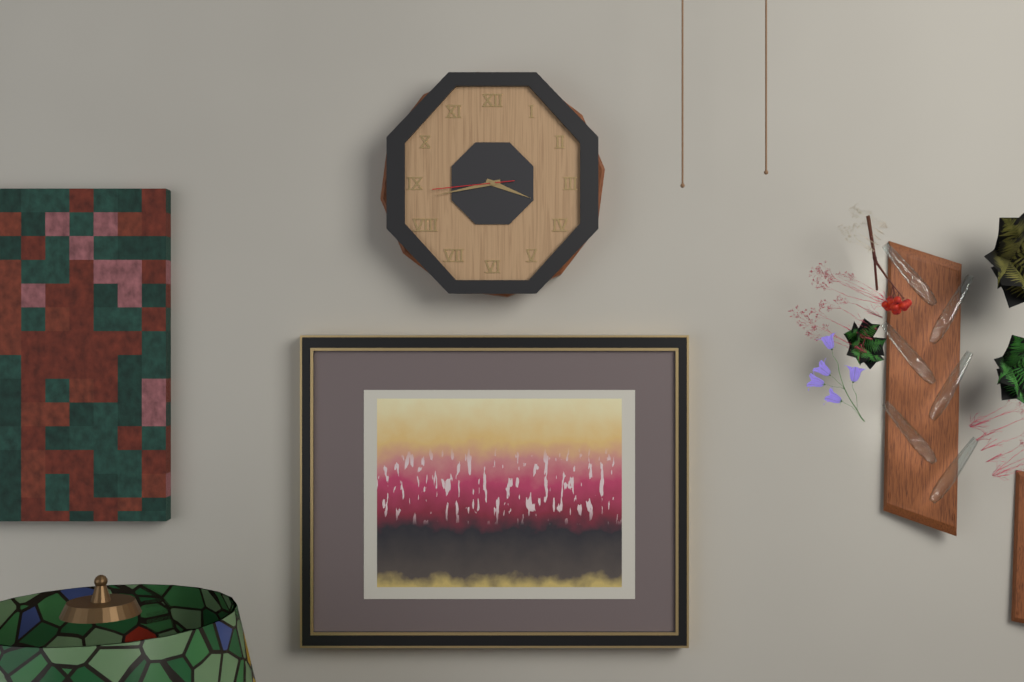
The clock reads **3:43:44**
